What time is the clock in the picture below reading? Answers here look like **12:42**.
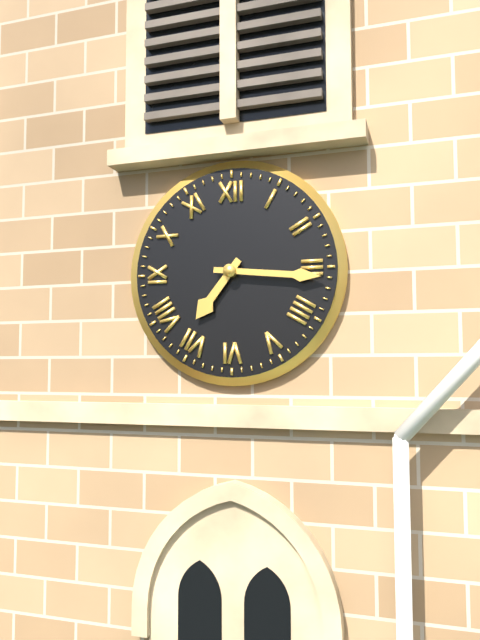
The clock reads **7:16**
